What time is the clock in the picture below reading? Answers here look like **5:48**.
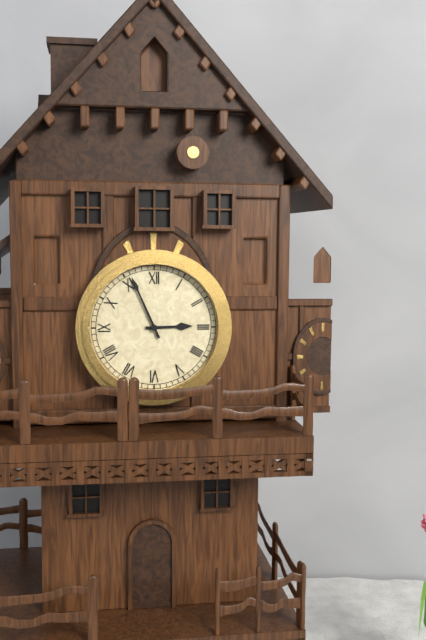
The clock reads **2:56**
